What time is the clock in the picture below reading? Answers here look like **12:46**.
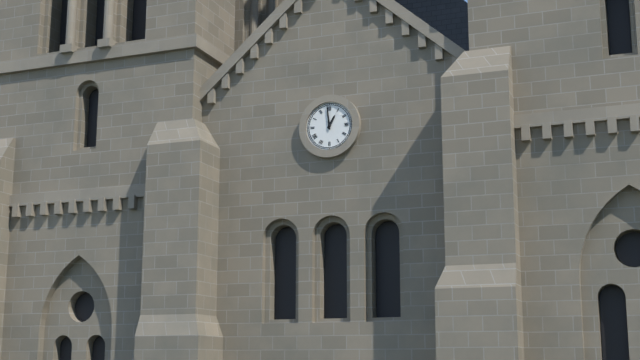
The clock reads **12:59**
